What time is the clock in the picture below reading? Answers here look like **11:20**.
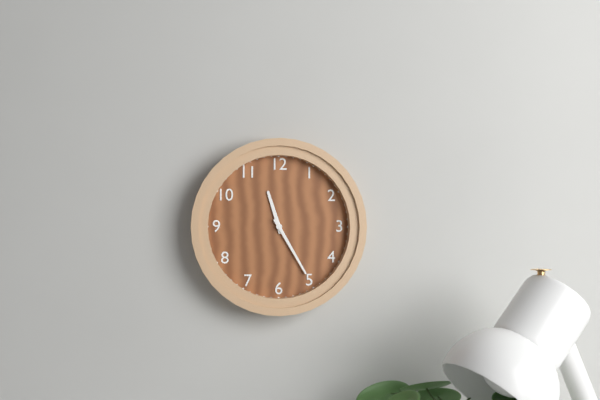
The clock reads **11:25**
